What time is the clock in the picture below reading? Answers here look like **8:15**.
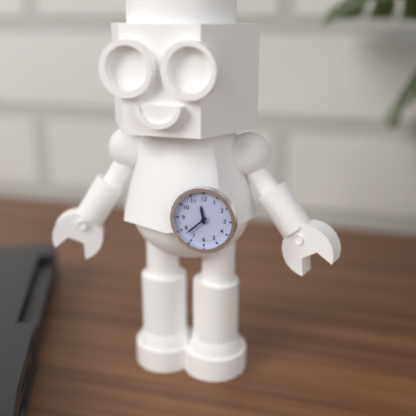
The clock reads **11:38**
